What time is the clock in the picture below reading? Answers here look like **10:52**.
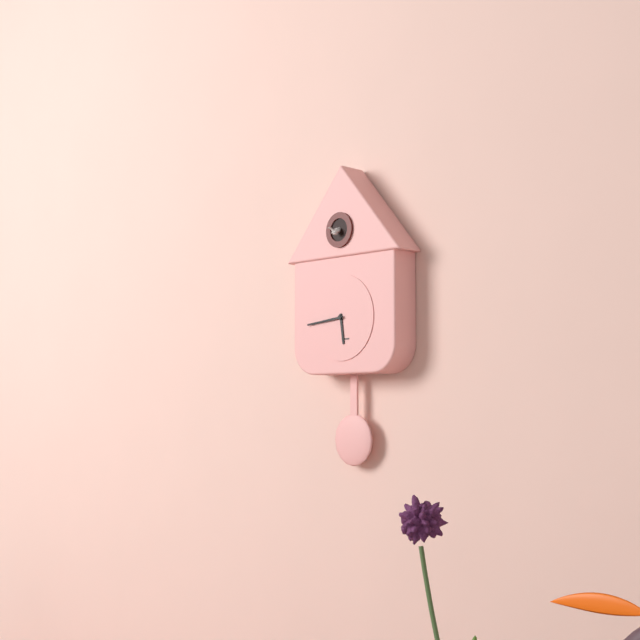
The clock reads **5:44**
